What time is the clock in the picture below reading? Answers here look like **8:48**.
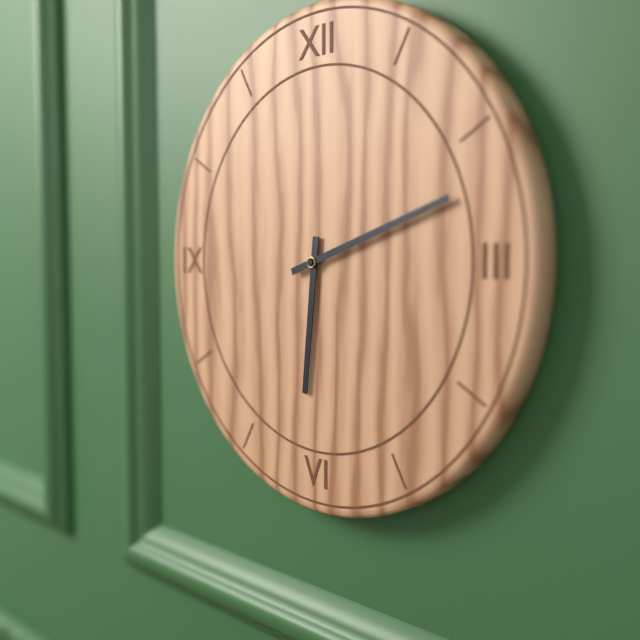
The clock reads **6:12**
